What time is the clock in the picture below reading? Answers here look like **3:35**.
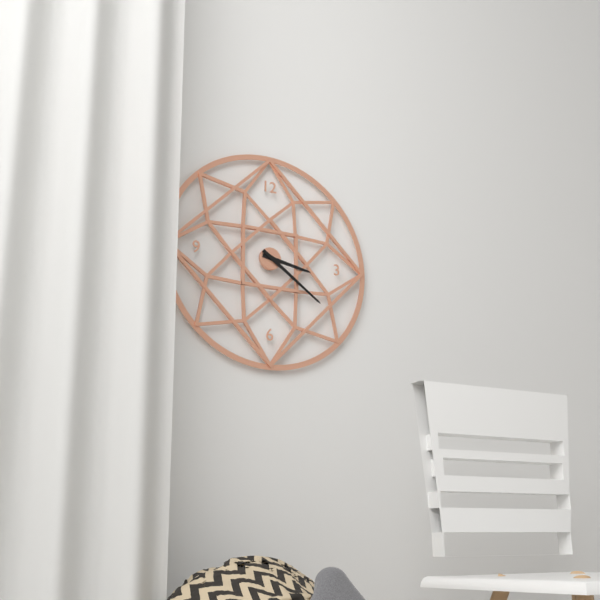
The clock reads **3:21**
